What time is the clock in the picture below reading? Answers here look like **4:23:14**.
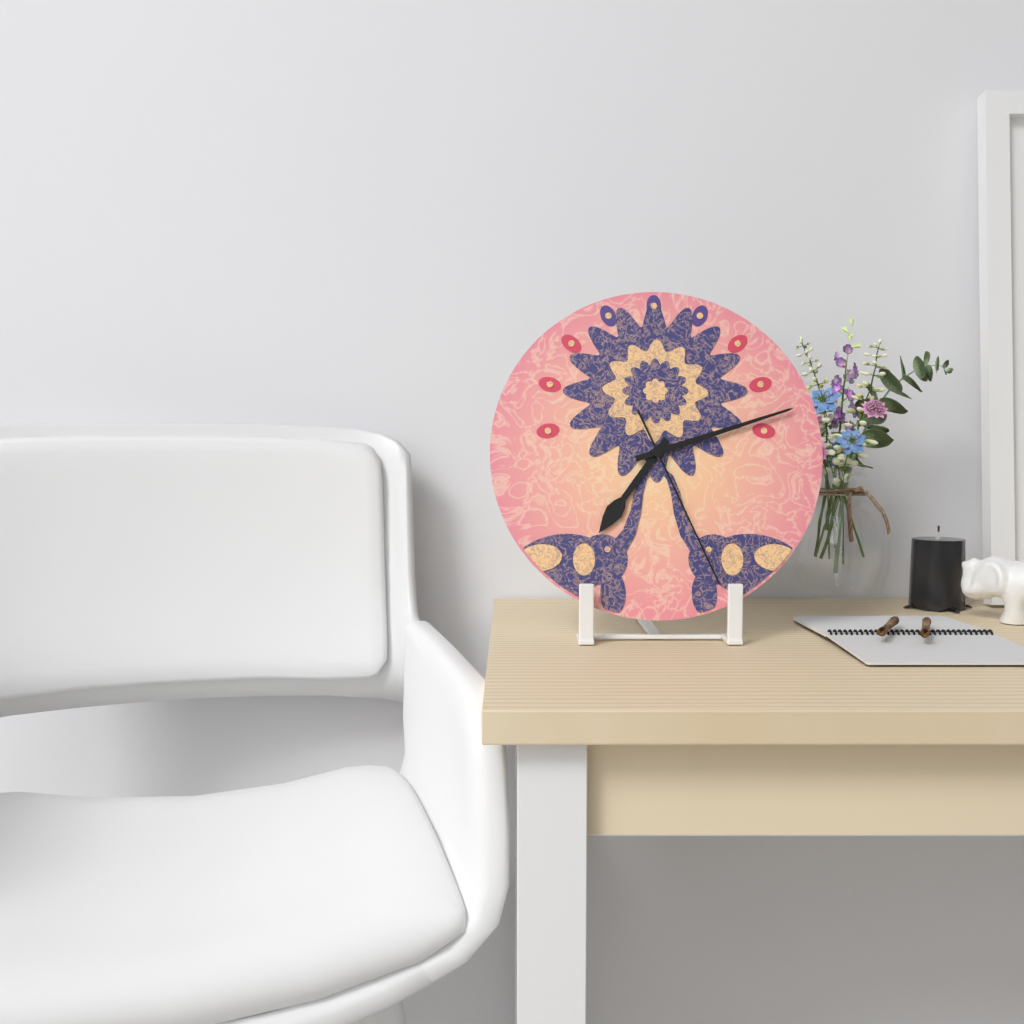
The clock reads **7:12:26**
